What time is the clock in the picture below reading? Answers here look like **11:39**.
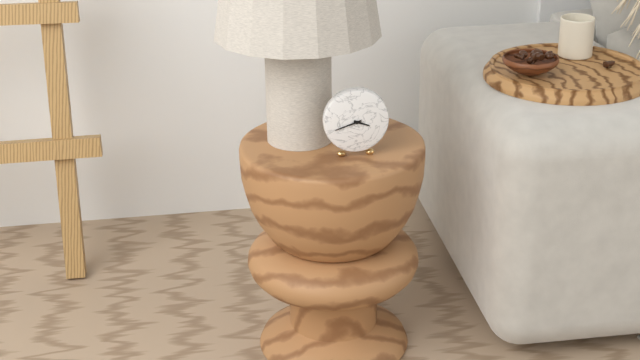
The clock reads **3:42**
